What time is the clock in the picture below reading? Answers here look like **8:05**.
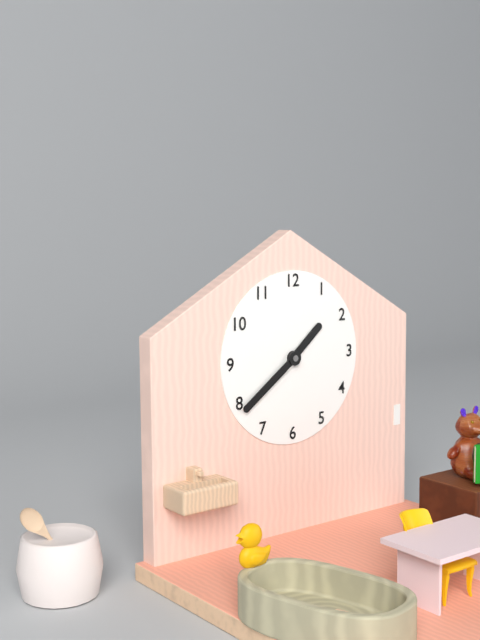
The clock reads **1:39**
